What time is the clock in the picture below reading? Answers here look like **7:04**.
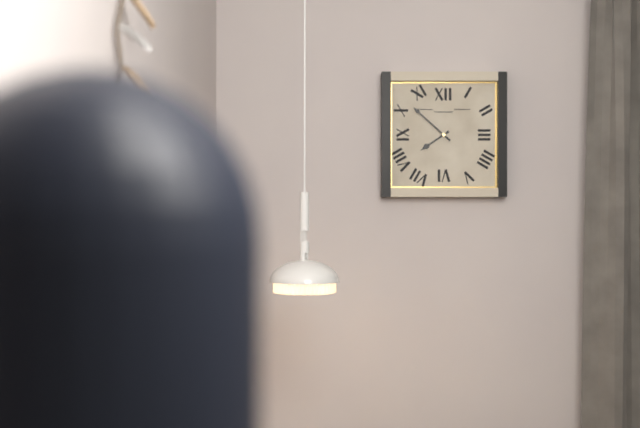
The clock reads **7:52**
